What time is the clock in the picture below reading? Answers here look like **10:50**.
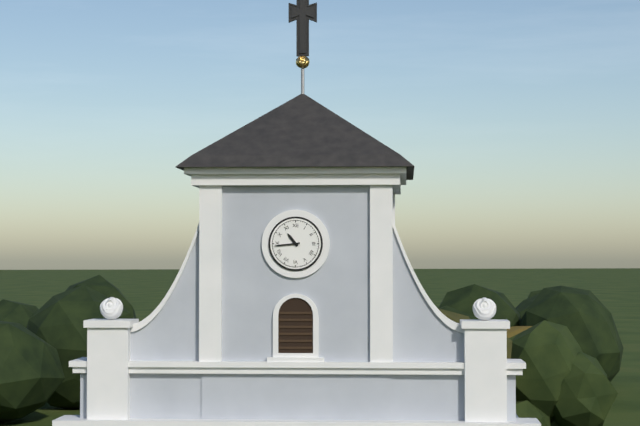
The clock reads **10:44**
